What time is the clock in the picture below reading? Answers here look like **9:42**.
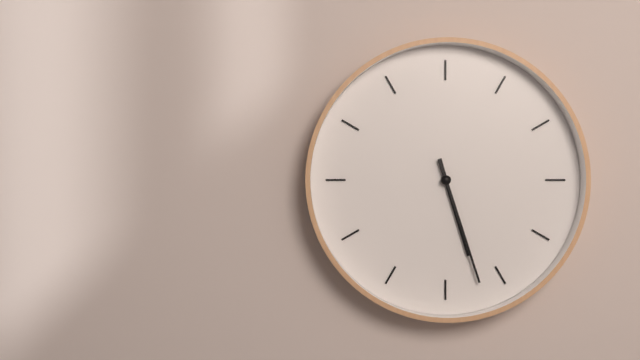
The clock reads **5:27**
